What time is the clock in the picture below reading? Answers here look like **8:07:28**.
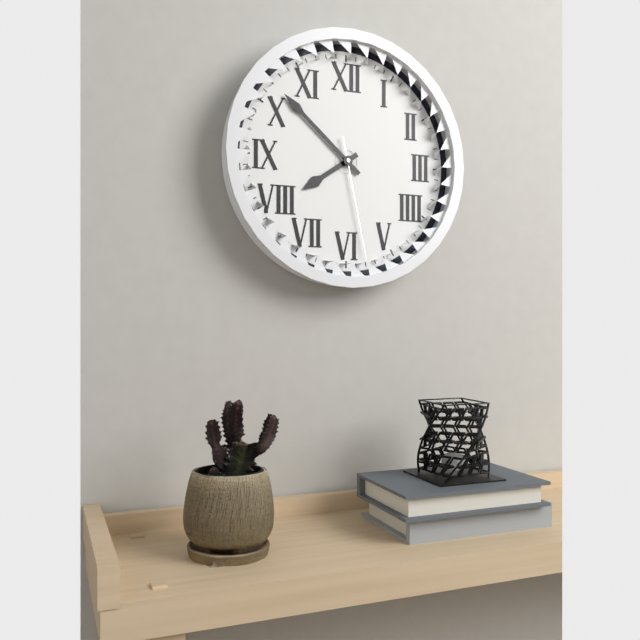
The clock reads **7:52:28**
